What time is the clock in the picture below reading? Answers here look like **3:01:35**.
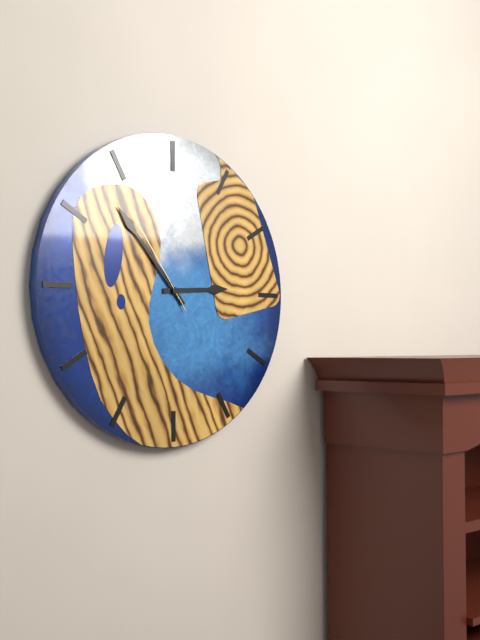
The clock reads **2:53:54**
